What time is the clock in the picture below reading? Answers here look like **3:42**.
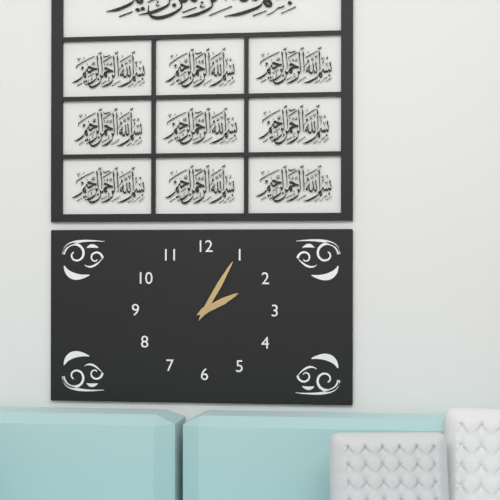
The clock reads **2:05**
